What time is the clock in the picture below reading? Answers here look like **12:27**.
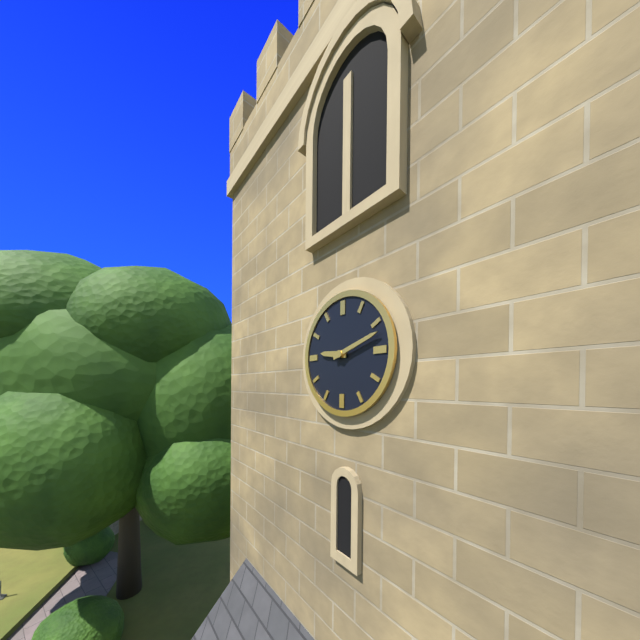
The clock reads **9:12**
